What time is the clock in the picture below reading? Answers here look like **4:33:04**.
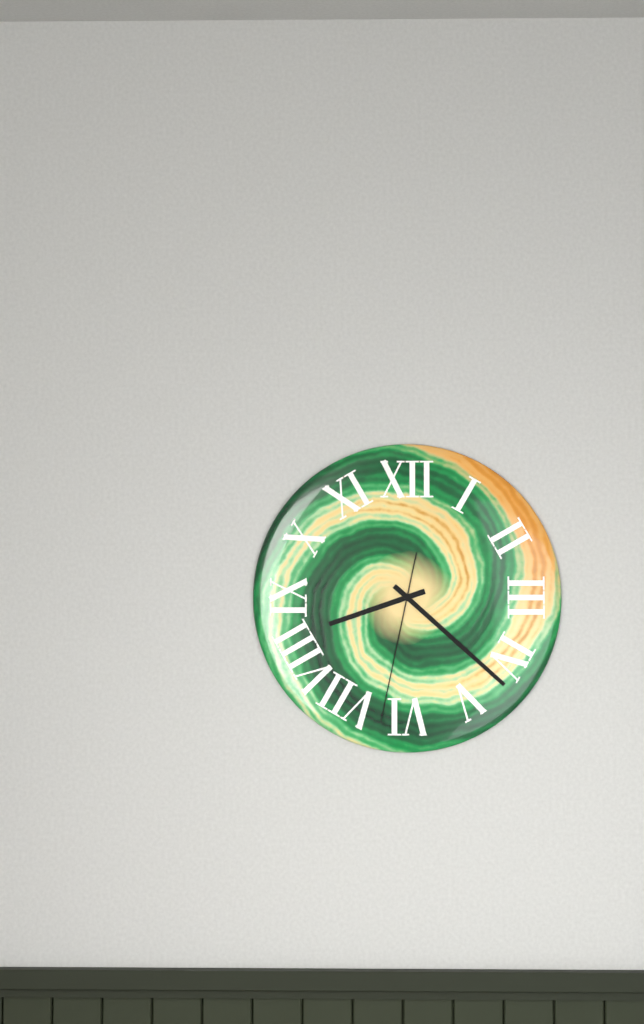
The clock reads **8:22:32**
